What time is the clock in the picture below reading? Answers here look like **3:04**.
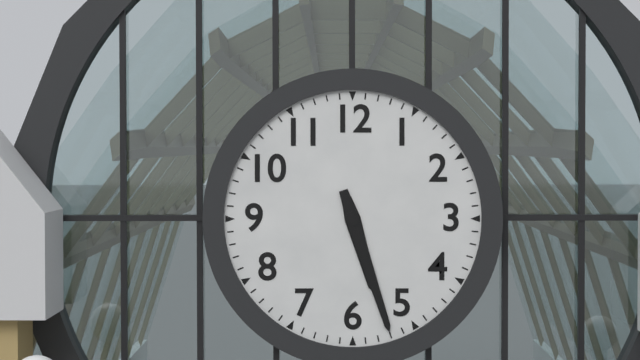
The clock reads **5:27**
